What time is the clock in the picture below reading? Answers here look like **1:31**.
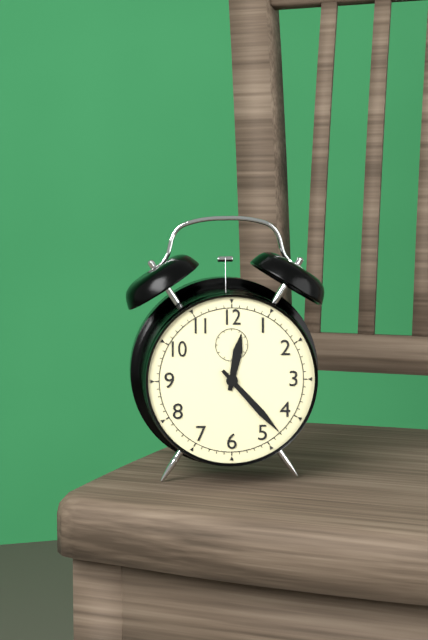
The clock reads **12:23**
